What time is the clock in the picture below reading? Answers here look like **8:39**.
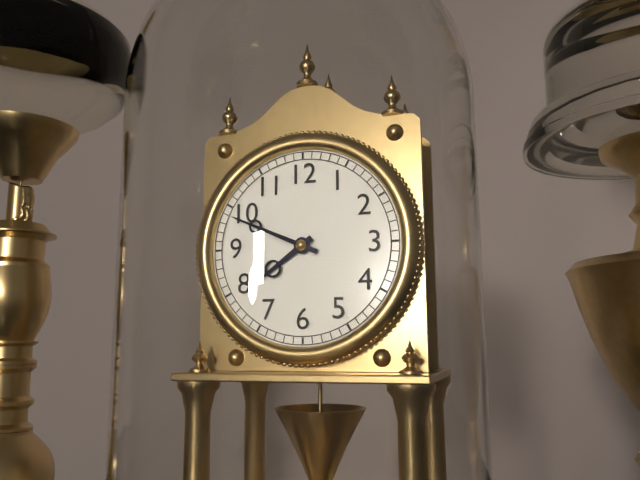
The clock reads **7:49**
